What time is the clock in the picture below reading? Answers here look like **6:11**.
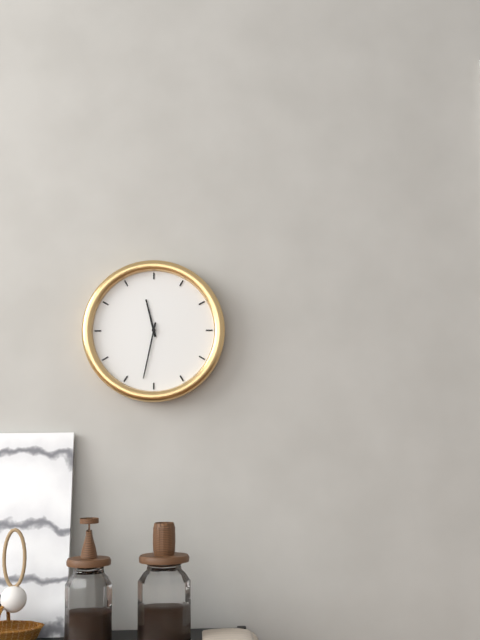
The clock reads **11:32**
